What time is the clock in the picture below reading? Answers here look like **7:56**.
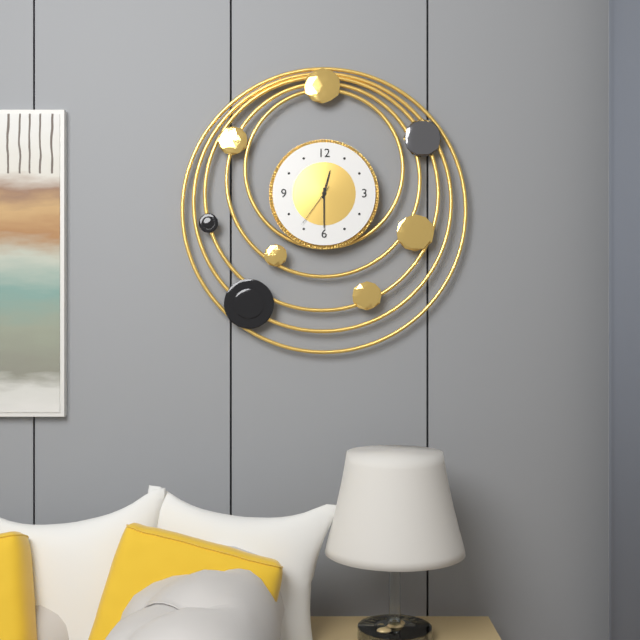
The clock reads **12:30**
